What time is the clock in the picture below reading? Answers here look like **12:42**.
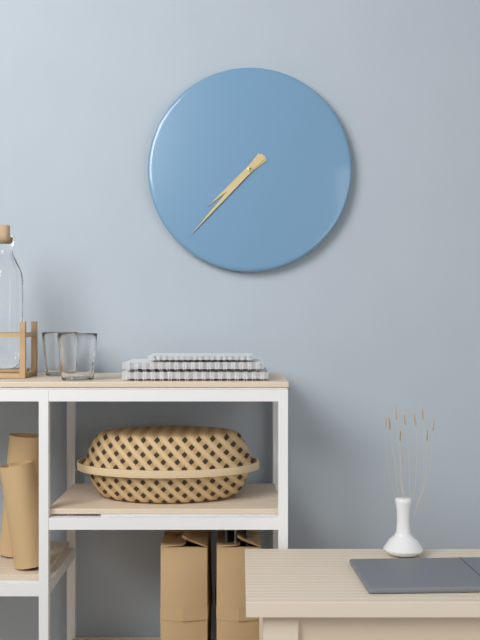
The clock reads **7:37**
